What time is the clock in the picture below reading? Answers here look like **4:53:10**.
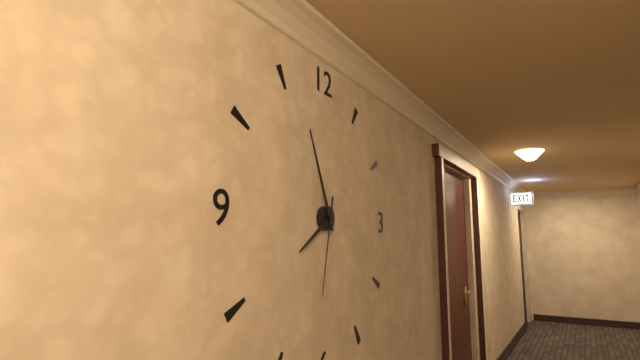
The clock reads **7:56:32**
